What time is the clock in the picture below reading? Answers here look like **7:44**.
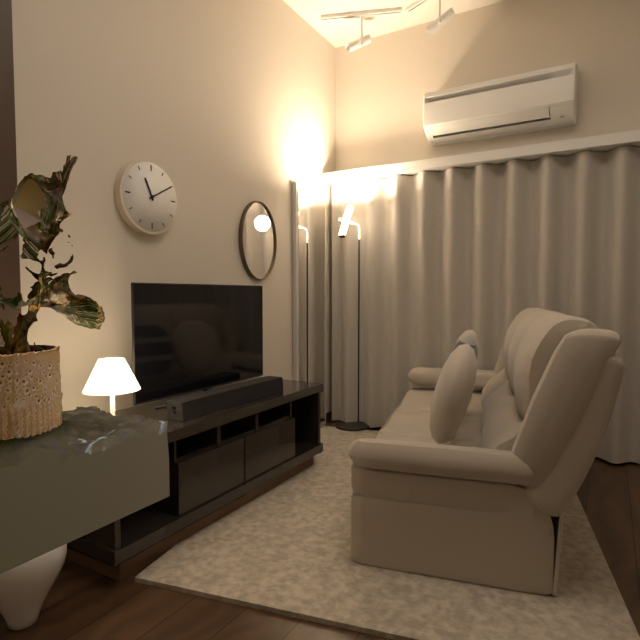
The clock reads **11:10**
